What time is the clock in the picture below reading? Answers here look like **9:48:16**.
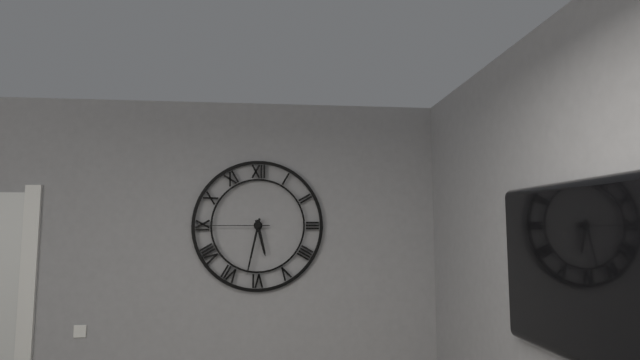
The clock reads **5:32:45**
